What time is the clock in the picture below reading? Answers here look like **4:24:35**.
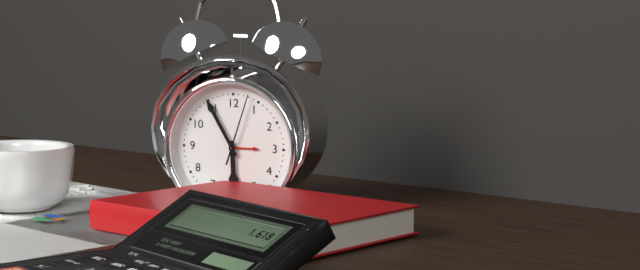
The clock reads **5:55:03**
